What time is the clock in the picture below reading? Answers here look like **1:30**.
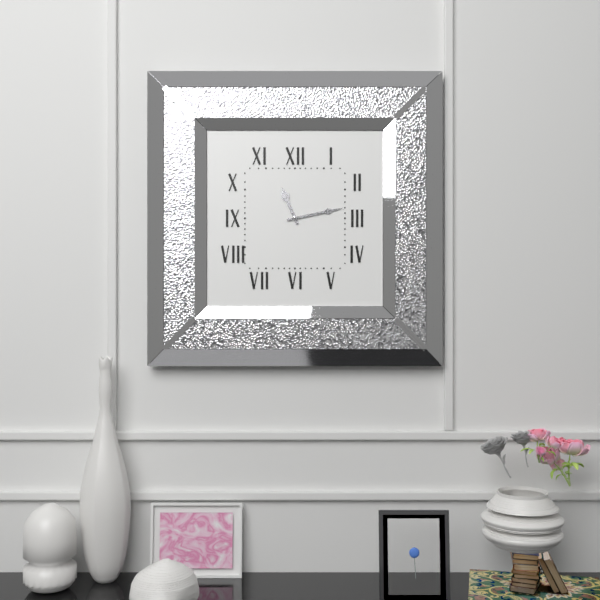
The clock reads **11:13**
